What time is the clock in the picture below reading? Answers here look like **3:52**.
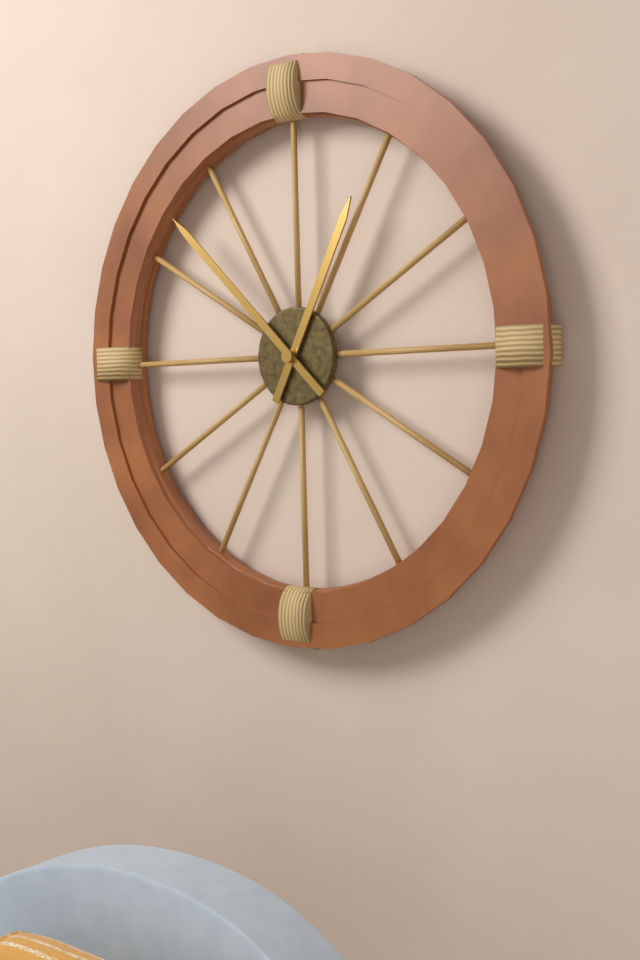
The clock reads **12:52**
